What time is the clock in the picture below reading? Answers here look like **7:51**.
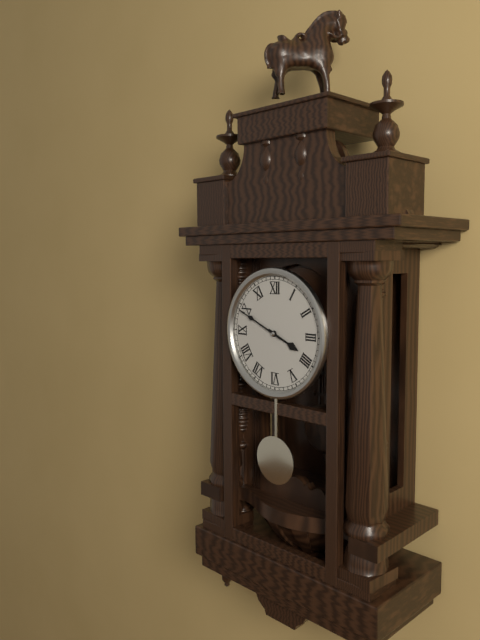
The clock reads **3:49**
